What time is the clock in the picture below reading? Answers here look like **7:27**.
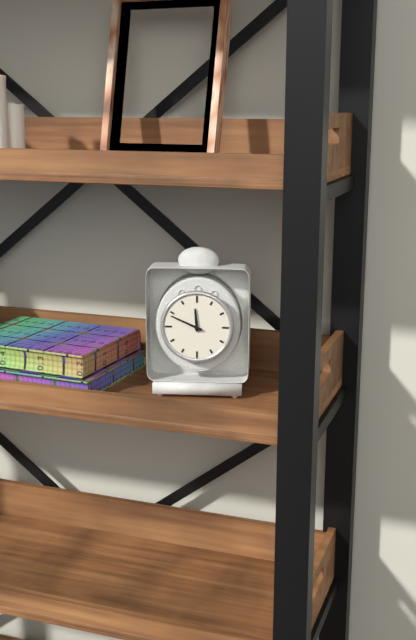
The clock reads **11:49**
